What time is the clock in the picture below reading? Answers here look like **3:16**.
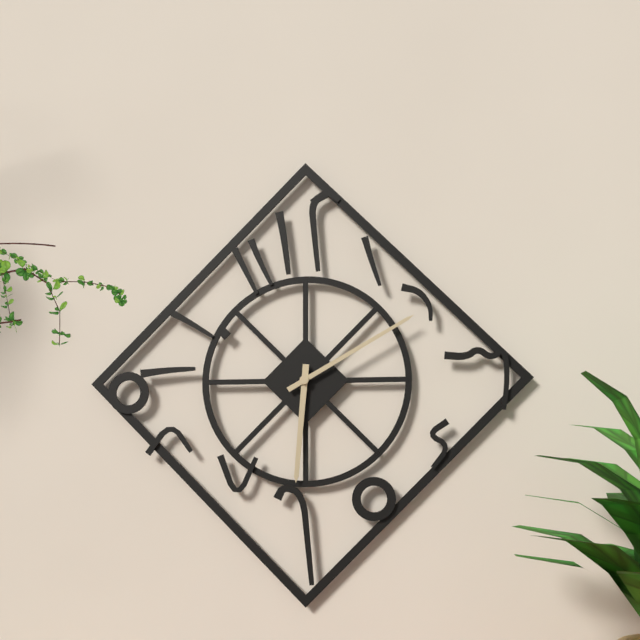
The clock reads **6:10**
